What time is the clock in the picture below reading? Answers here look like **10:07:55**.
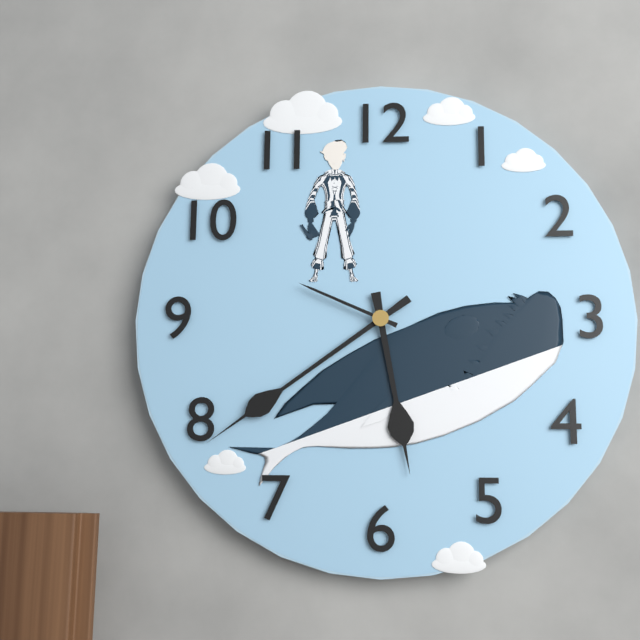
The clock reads **5:39:49**
